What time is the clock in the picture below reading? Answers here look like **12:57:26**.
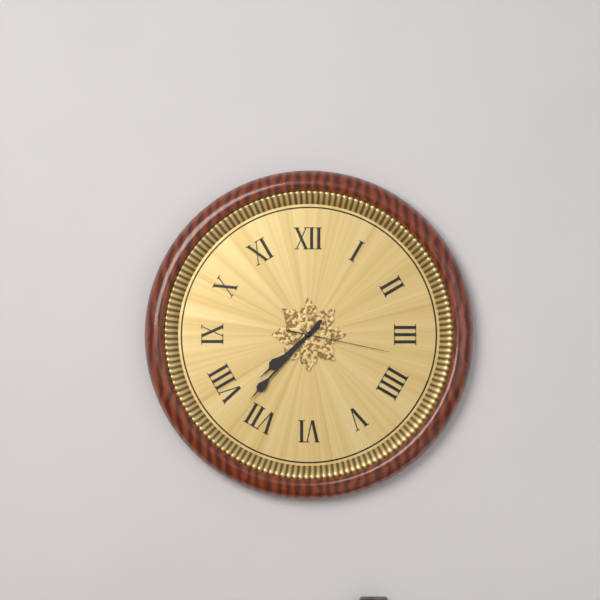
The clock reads **7:37:17**
